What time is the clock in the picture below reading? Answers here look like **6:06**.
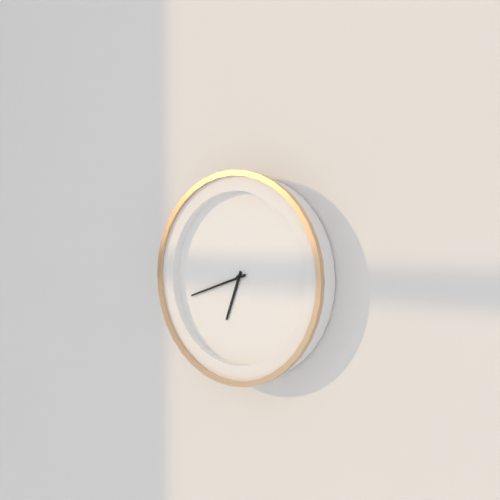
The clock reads **6:42**
